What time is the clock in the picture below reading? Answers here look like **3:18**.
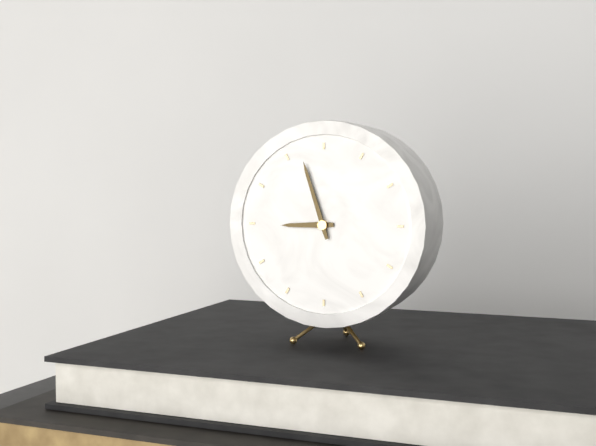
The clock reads **8:57**
